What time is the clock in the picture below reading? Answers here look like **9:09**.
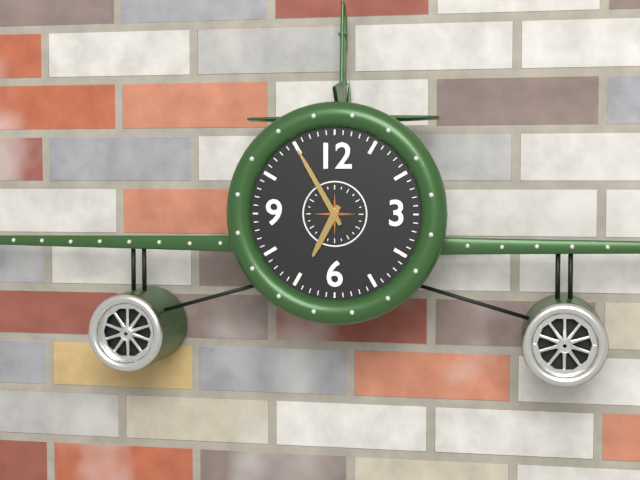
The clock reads **6:55**
